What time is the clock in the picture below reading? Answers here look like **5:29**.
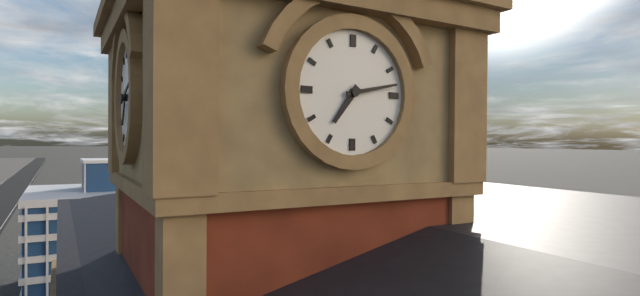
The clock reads **7:13**
